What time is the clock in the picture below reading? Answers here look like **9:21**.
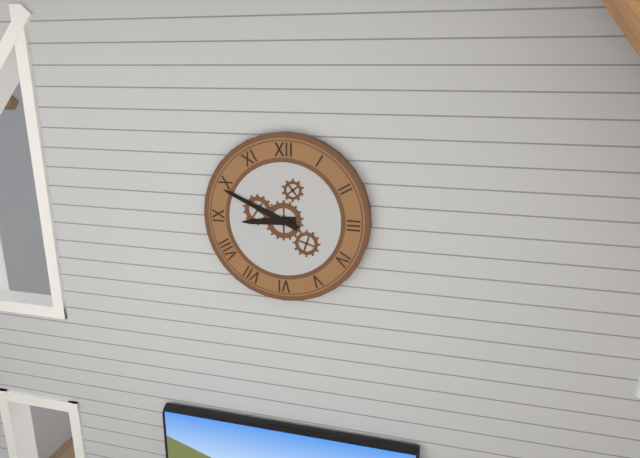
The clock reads **8:49**
